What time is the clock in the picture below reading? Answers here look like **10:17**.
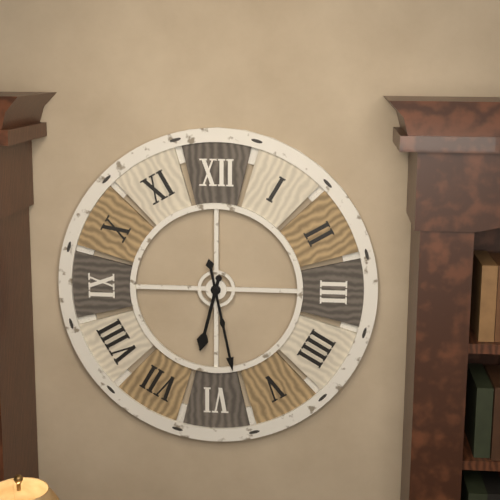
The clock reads **6:28**
